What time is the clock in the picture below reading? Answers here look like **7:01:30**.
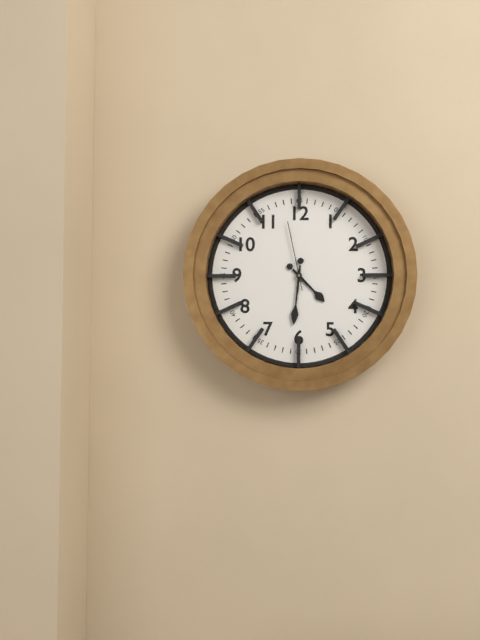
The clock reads **4:31:58**
